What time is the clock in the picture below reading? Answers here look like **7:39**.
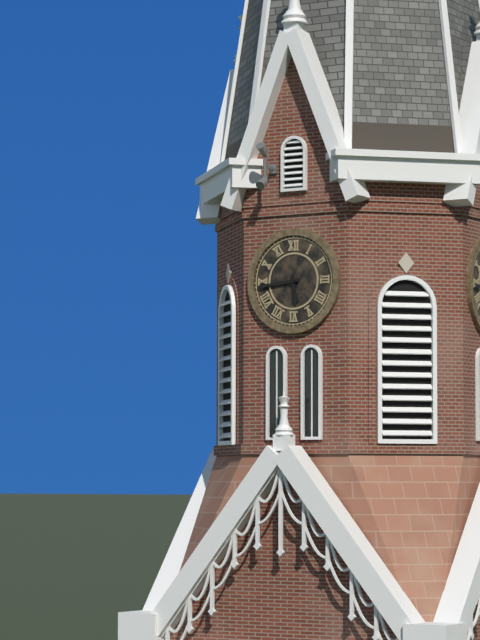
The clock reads **5:44**
